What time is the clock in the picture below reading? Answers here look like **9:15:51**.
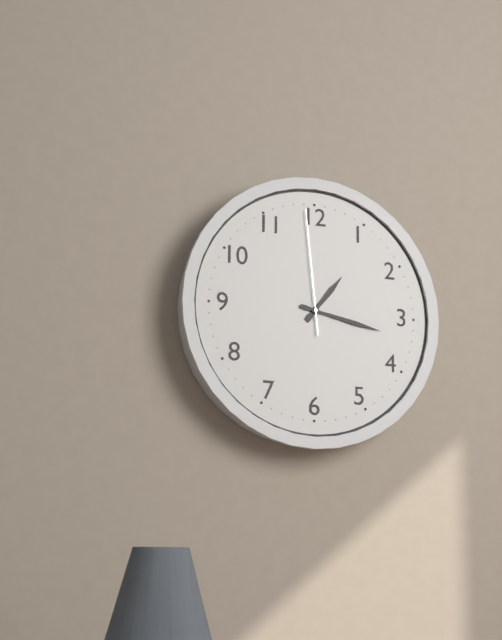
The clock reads **1:17:59**
